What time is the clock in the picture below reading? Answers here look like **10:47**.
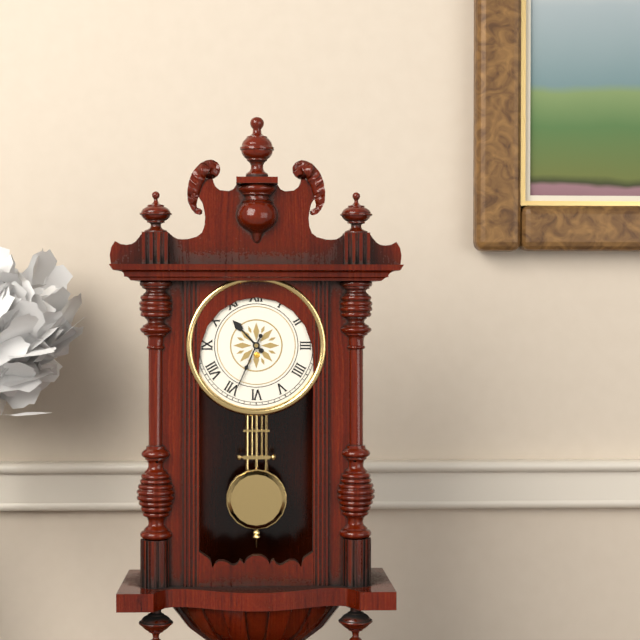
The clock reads **10:34**
